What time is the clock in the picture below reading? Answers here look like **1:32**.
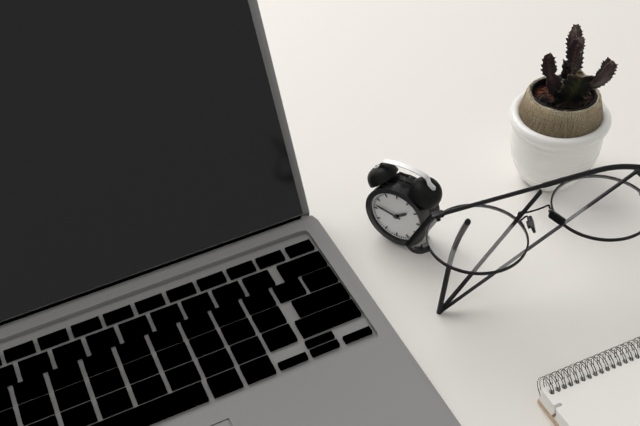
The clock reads **1:47**
